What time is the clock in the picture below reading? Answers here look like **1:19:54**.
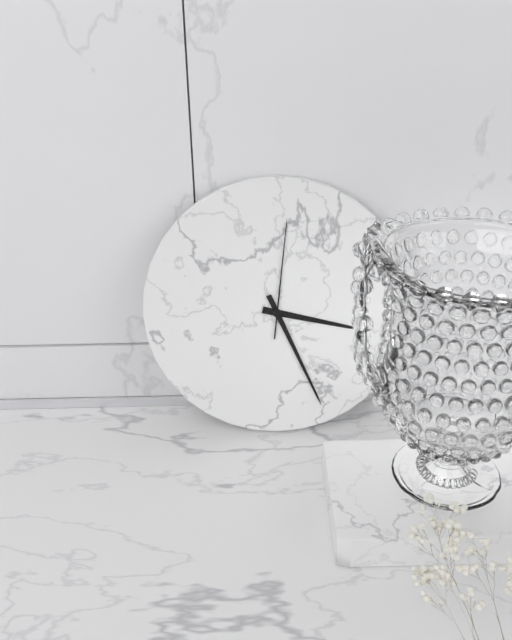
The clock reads **3:26:01**
